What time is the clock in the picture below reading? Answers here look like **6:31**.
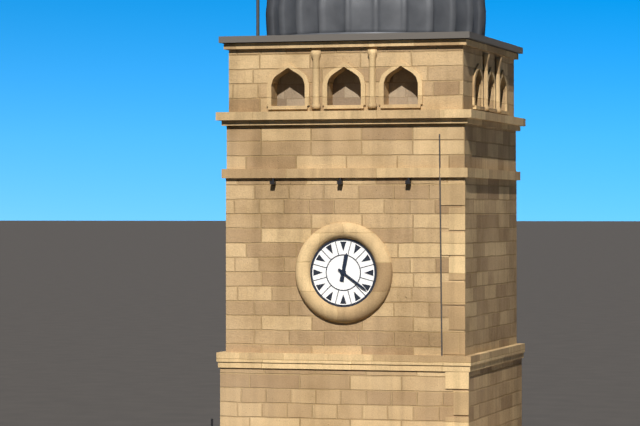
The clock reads **12:21**
